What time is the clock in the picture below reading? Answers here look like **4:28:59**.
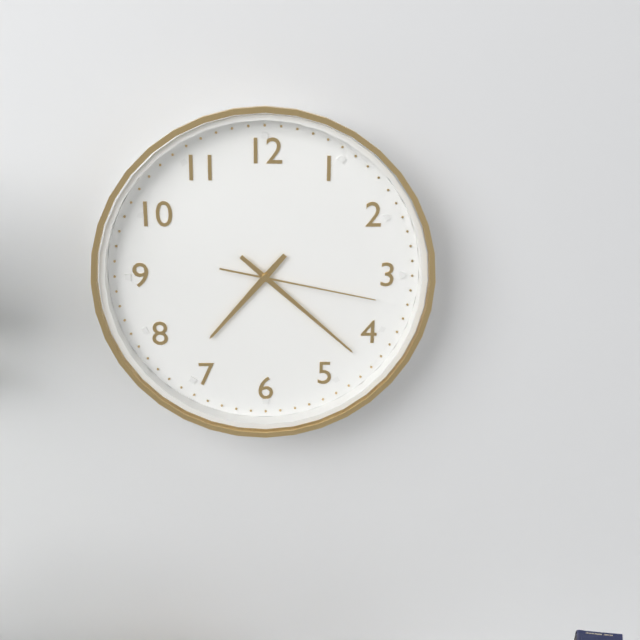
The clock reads **7:22:17**
